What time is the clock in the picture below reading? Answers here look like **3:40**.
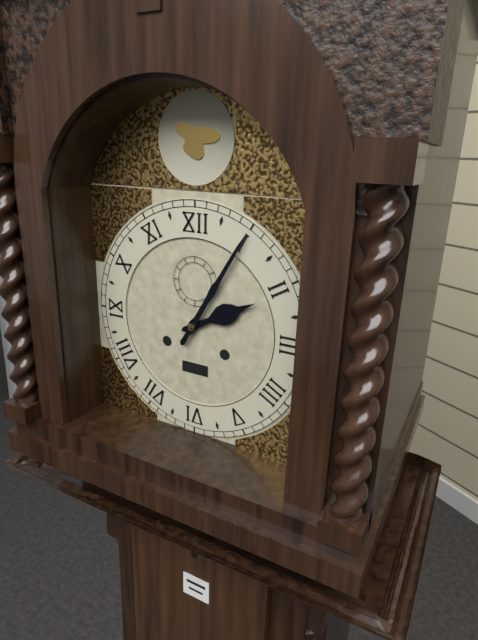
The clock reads **2:05**
